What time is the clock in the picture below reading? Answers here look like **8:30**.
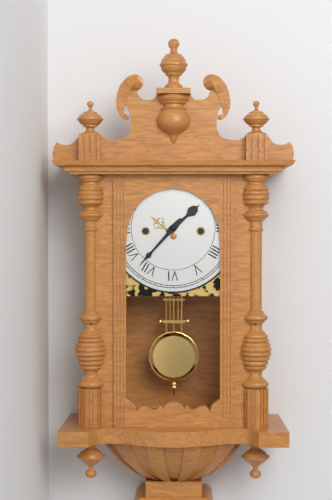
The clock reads **1:37**
